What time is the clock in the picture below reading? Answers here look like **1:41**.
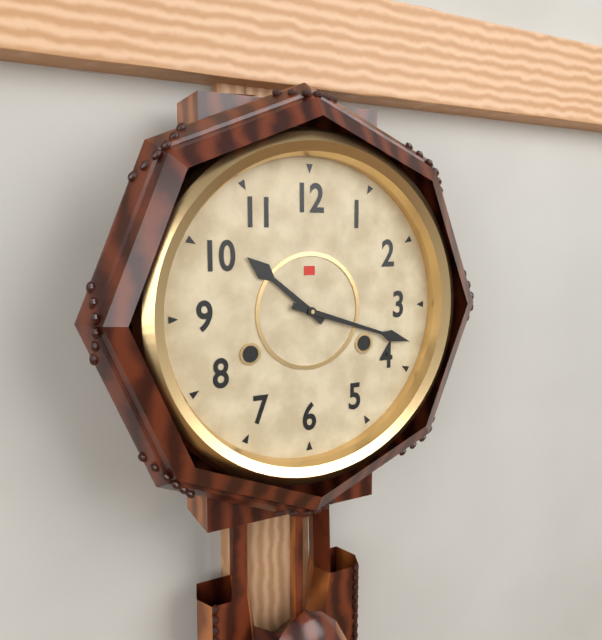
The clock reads **10:18**
